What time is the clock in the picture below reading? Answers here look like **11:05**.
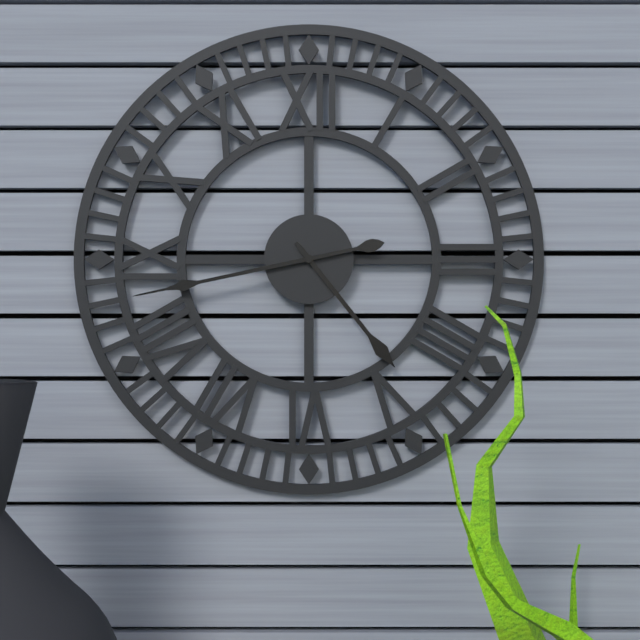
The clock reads **4:43**
